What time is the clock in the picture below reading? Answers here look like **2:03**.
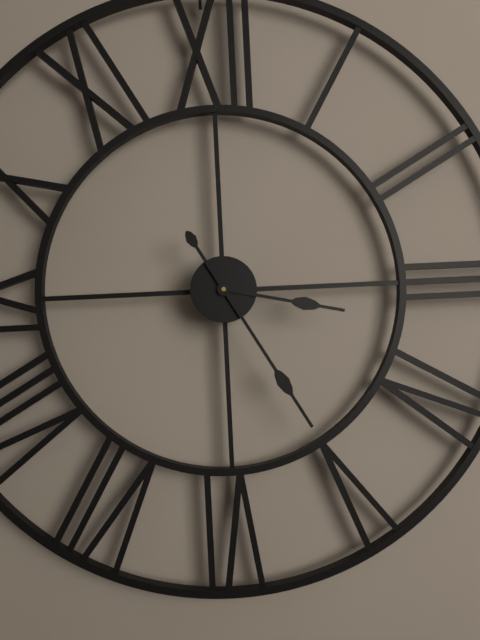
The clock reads **3:25**
